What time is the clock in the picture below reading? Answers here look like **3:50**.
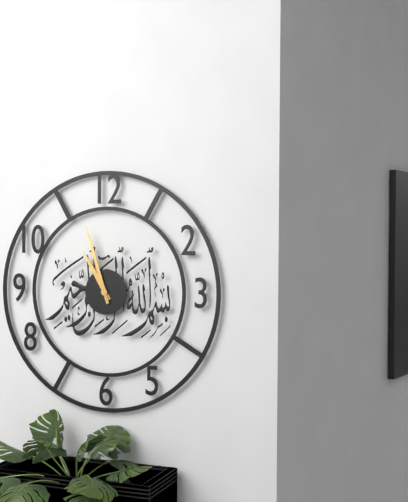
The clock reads **10:57**
